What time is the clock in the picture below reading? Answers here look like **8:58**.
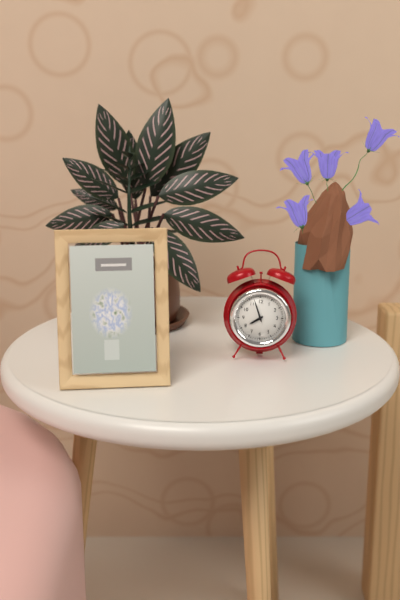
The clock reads **7:57**
